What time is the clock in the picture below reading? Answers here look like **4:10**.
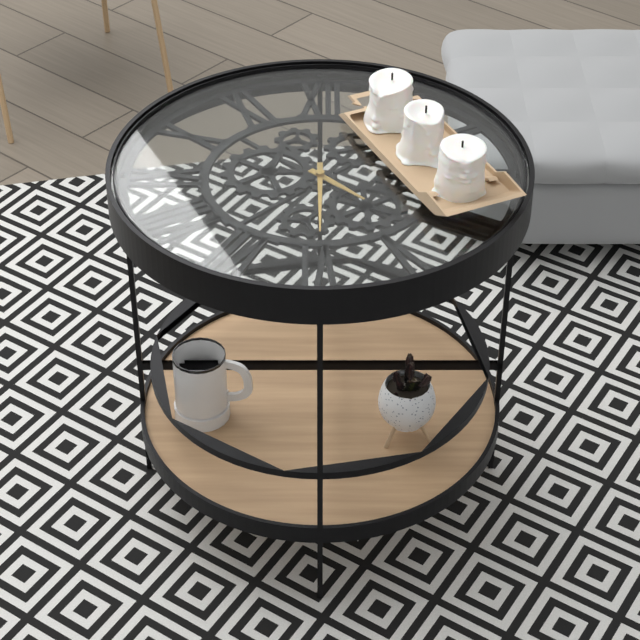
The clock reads **4:30**
